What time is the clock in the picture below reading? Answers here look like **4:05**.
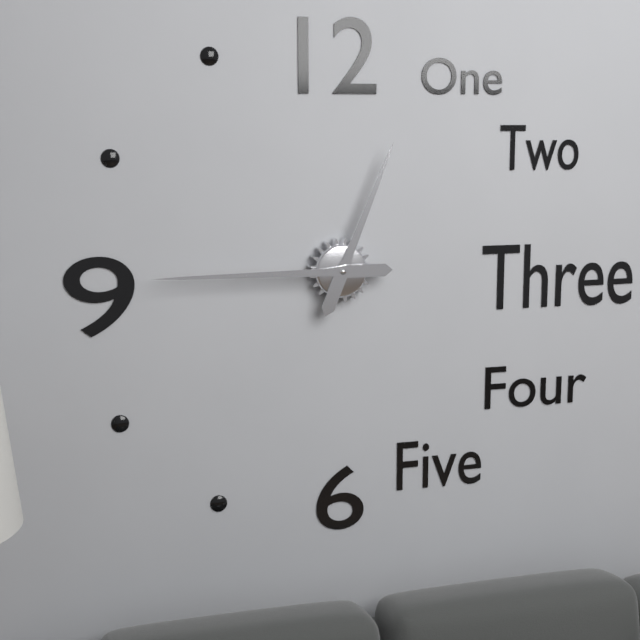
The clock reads **12:45**
